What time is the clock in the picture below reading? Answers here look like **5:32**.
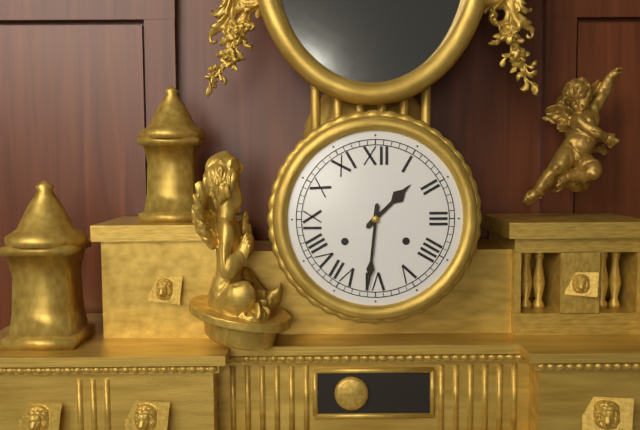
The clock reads **1:31**
